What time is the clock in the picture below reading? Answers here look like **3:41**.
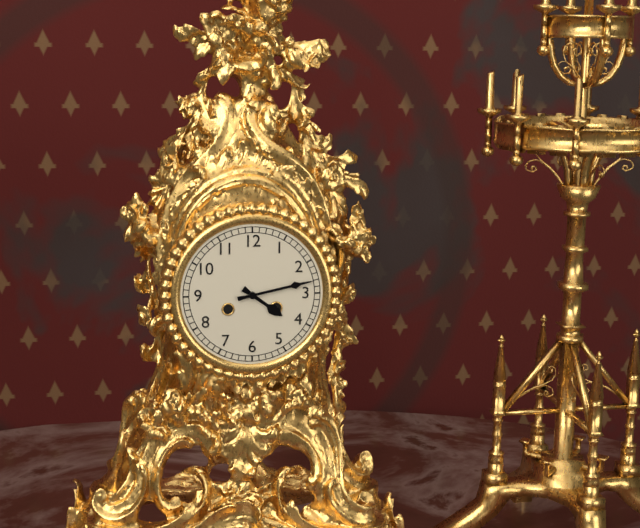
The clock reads **4:13**
